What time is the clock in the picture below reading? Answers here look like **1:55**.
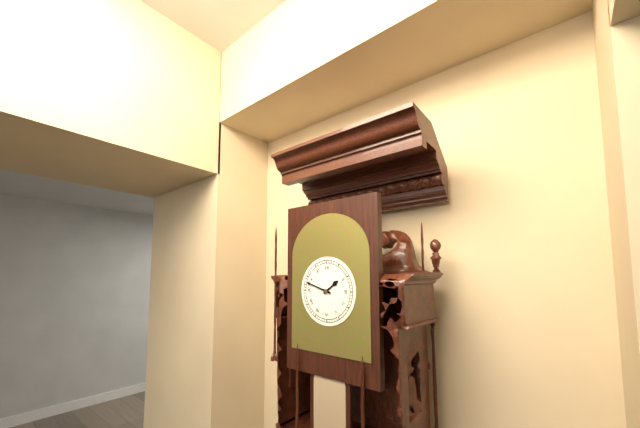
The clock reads **1:48**
